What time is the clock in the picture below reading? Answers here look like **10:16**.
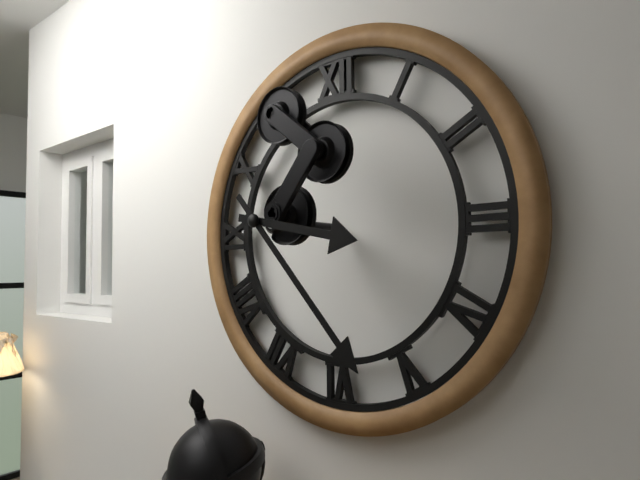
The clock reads **3:23**
